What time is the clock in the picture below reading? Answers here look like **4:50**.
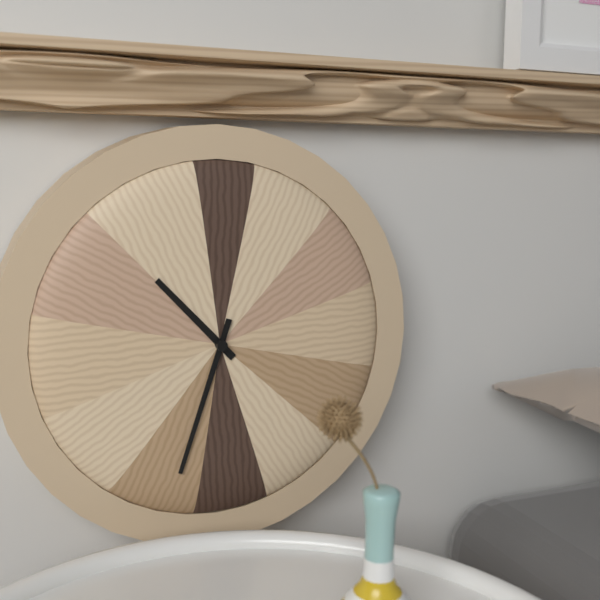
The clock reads **10:33**
